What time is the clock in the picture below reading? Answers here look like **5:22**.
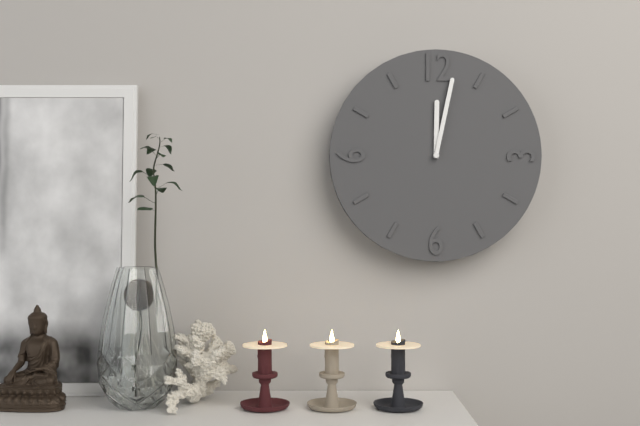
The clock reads **12:02**
